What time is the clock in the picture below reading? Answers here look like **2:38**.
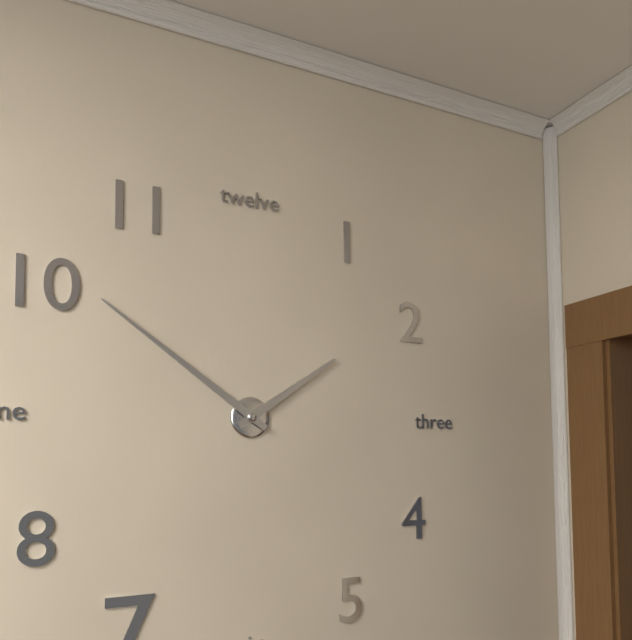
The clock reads **1:51**
